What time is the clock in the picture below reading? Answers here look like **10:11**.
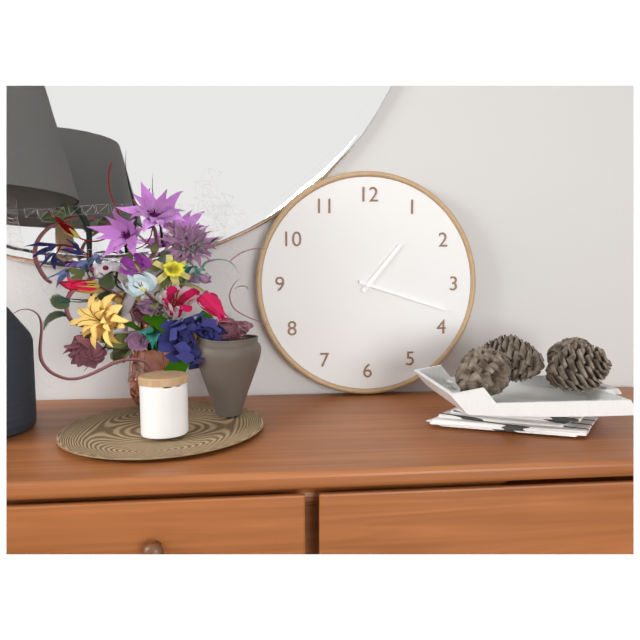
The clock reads **1:18**
